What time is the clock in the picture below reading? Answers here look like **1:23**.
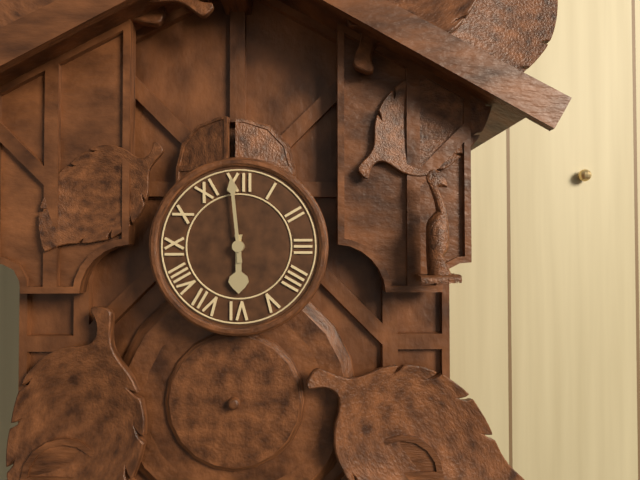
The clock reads **5:59**
